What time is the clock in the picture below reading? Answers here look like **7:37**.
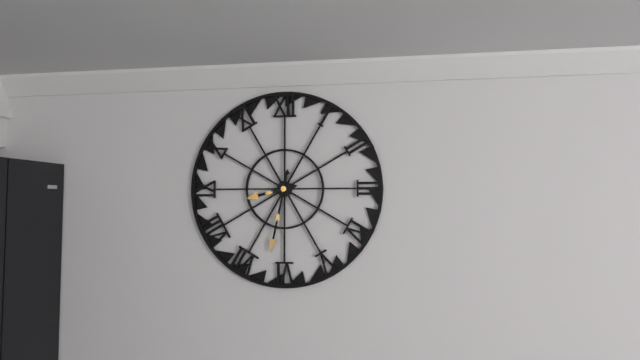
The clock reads **8:32**
